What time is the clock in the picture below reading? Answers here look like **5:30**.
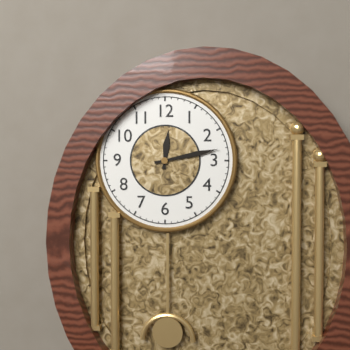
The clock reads **12:13**
